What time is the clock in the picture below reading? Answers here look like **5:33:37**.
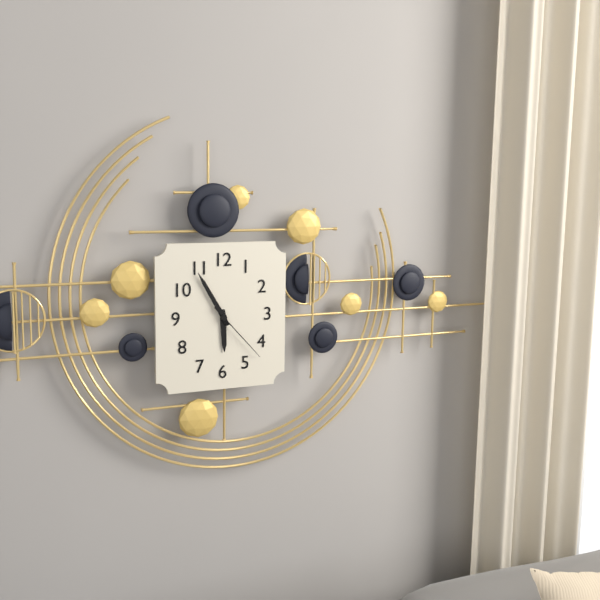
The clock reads **5:55:23**
